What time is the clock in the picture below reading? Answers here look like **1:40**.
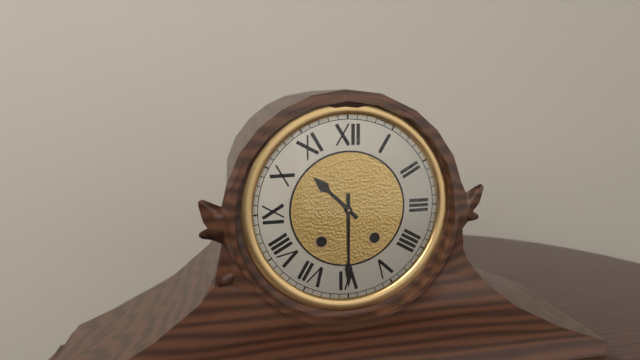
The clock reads **10:30**
